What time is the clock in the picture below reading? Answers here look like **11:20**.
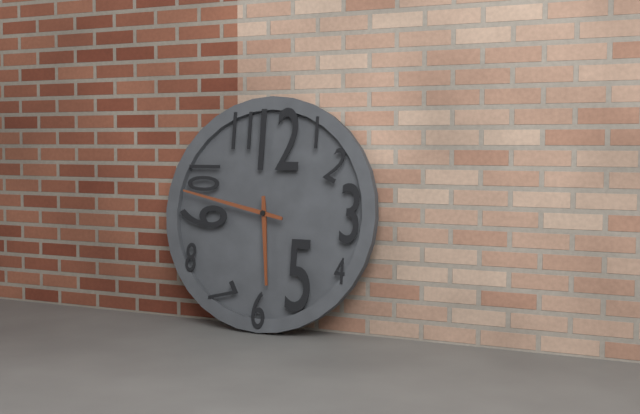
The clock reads **5:47**
